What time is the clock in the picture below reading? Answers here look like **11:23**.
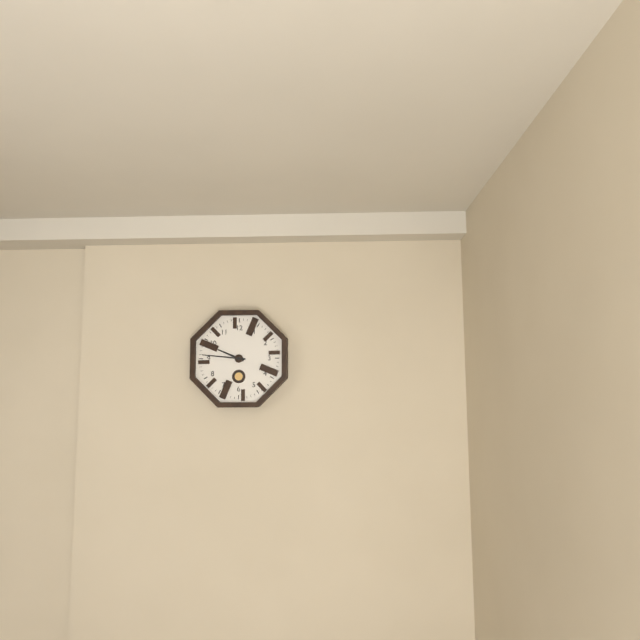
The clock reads **9:46**
